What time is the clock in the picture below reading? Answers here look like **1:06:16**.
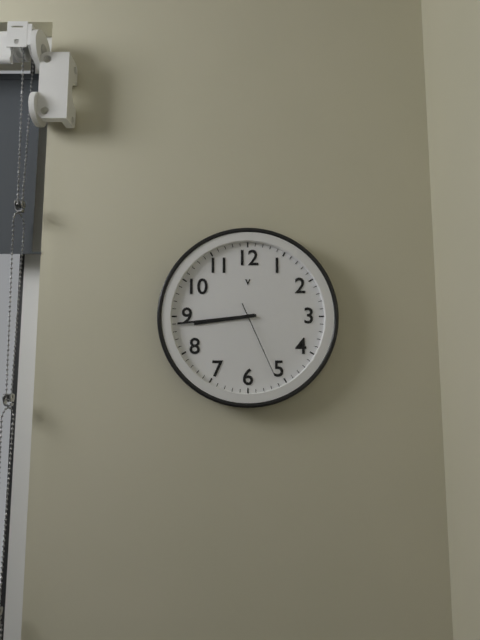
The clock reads **8:44:26**
